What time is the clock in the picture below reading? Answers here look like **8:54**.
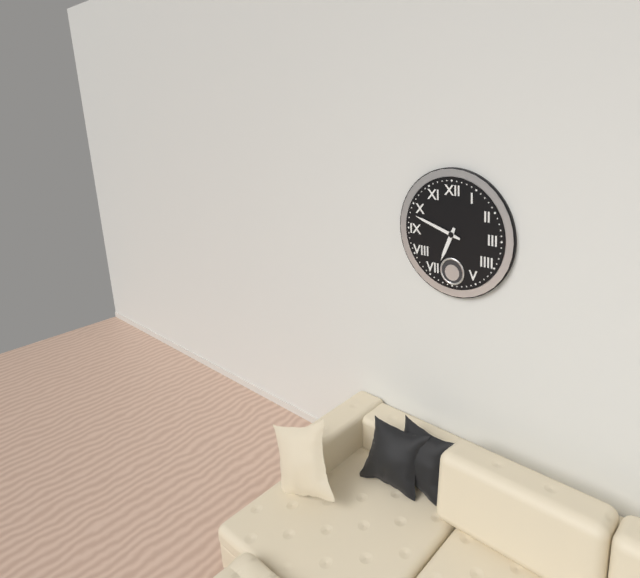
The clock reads **6:48**
